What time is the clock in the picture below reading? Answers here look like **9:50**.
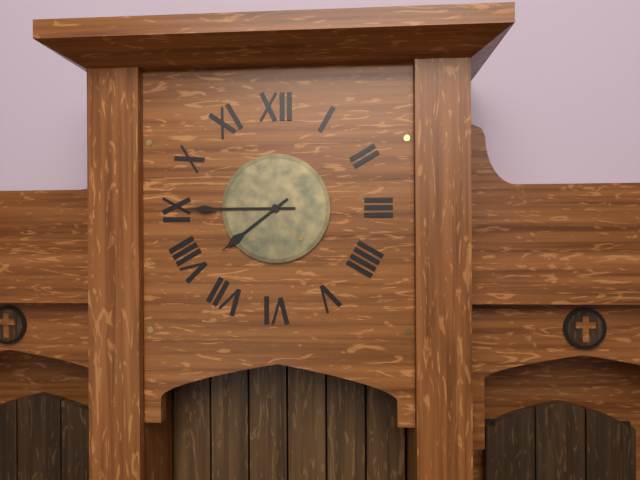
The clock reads **7:45**
